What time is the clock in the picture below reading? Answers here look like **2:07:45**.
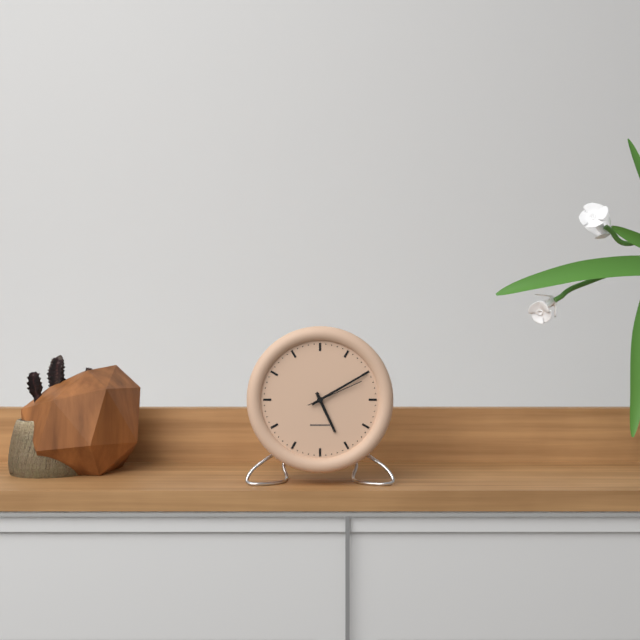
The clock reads **5:10:11**
